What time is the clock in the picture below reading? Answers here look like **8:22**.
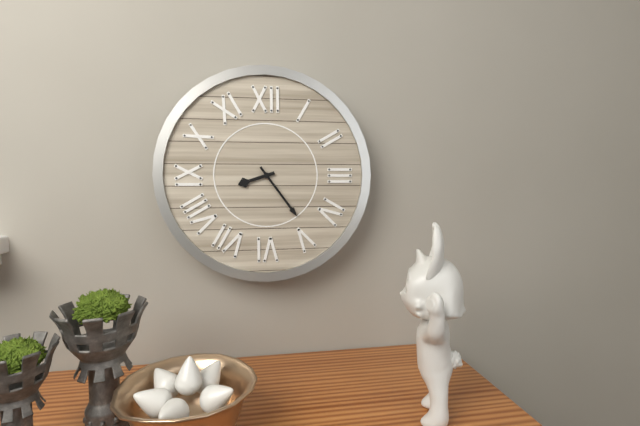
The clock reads **8:24**
